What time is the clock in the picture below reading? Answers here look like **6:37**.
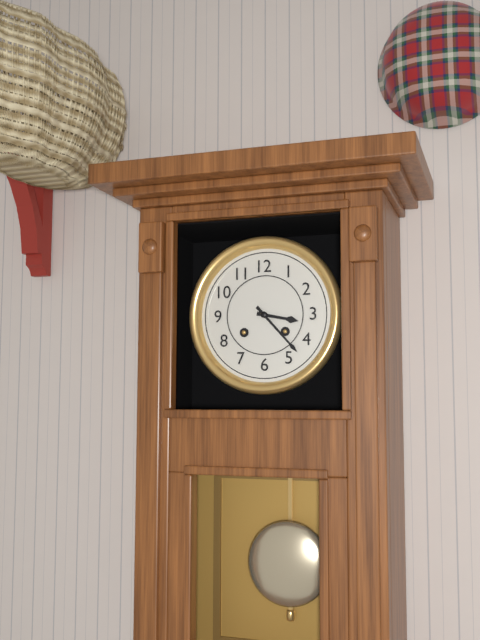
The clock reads **3:23**
